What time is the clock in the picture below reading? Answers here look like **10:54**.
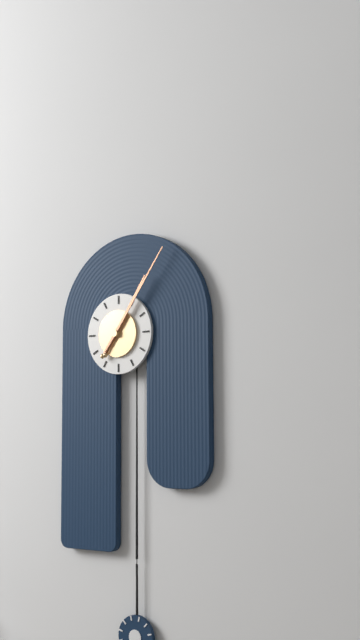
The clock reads **1:06**
